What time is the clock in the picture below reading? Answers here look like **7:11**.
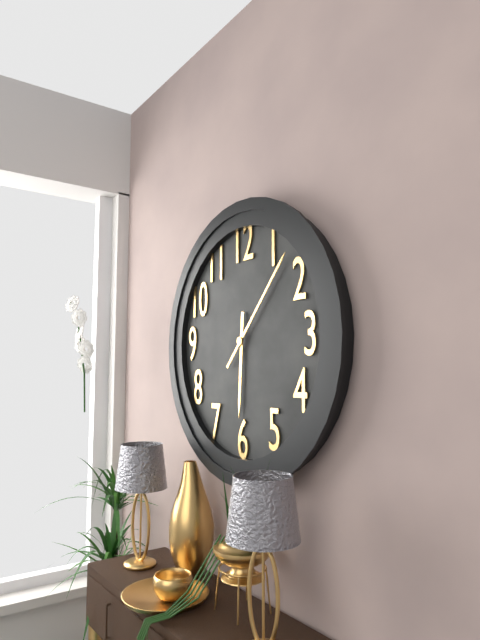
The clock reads **6:07**
